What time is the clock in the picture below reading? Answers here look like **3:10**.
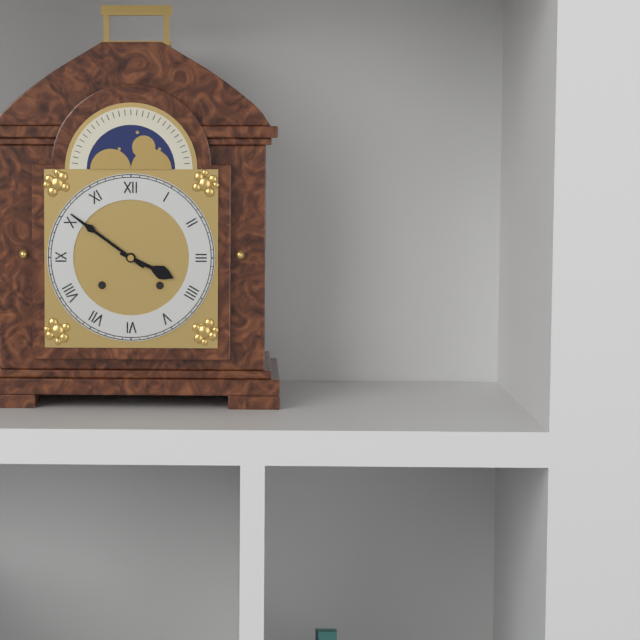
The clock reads **3:51**
